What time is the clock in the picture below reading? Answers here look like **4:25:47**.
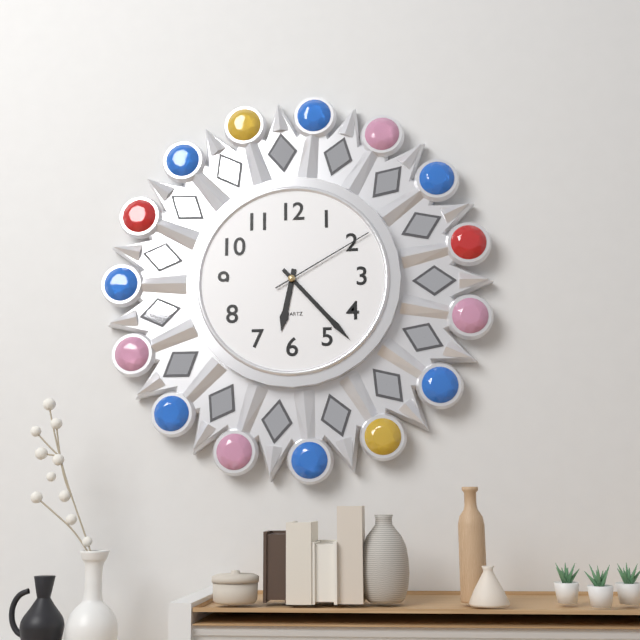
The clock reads **6:23:10**
